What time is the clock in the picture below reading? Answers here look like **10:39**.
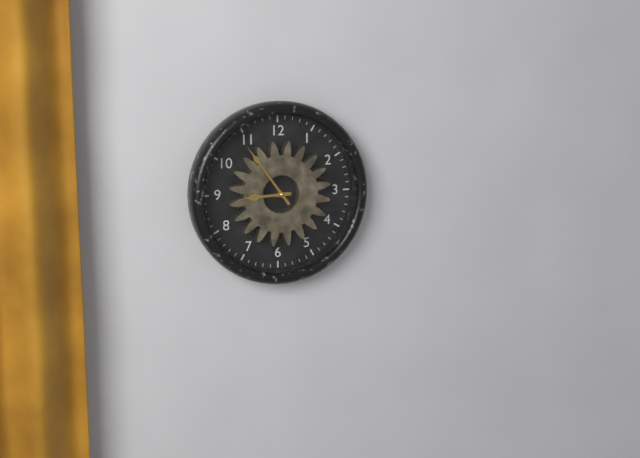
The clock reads **8:54**
